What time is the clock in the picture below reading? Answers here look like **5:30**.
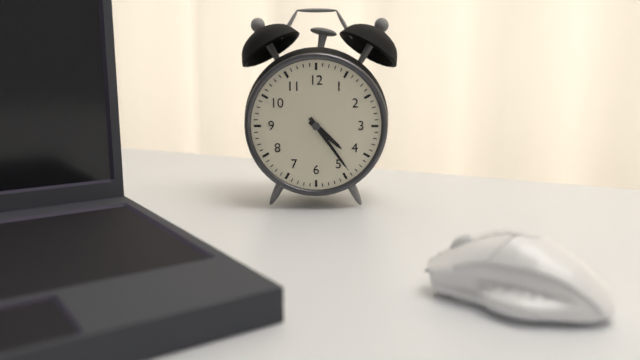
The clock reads **4:24**
